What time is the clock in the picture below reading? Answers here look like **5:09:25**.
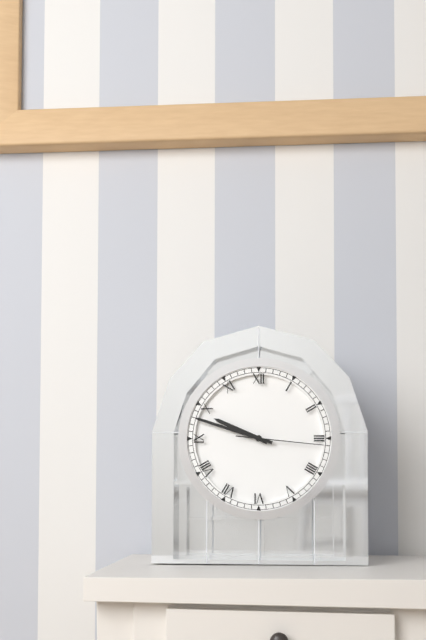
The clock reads **9:48:16**
